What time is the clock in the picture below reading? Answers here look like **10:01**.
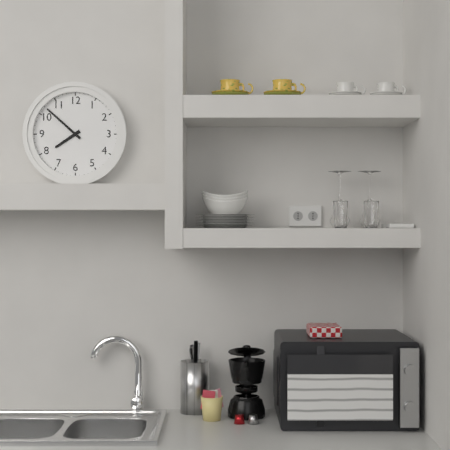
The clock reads **7:52**
